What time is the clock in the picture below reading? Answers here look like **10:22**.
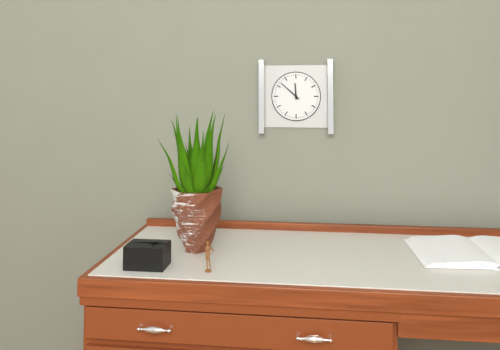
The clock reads **11:52**
